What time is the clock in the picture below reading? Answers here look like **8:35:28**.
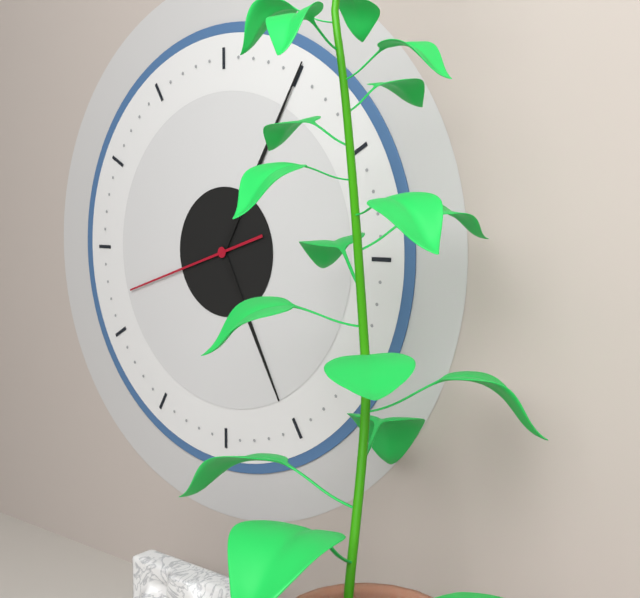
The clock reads **5:05:42**
